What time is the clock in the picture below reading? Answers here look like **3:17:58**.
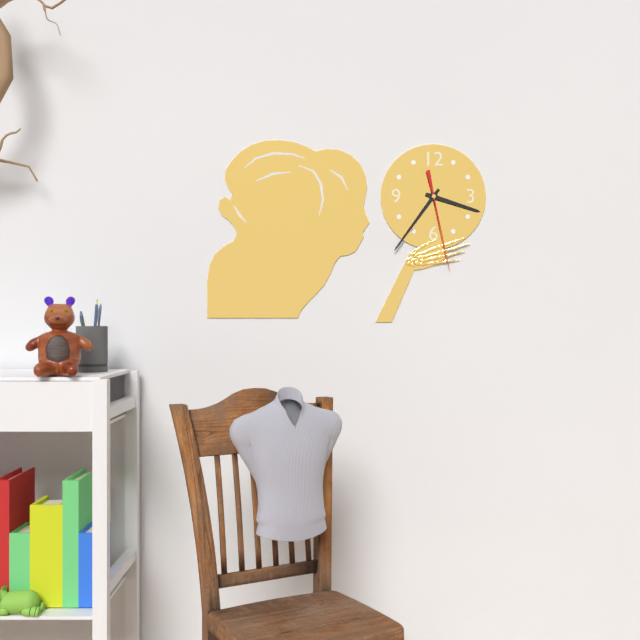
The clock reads **3:36:28**
